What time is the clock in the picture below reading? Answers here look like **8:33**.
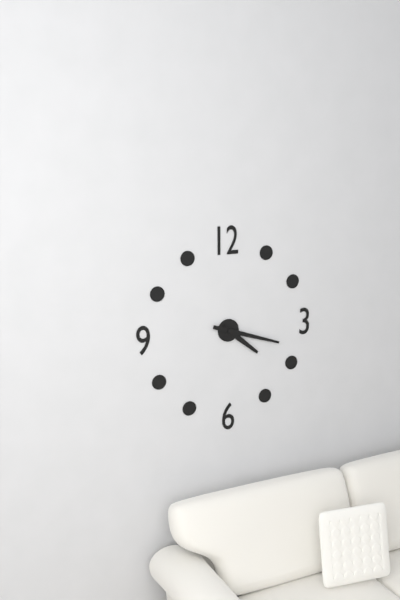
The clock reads **4:18**
